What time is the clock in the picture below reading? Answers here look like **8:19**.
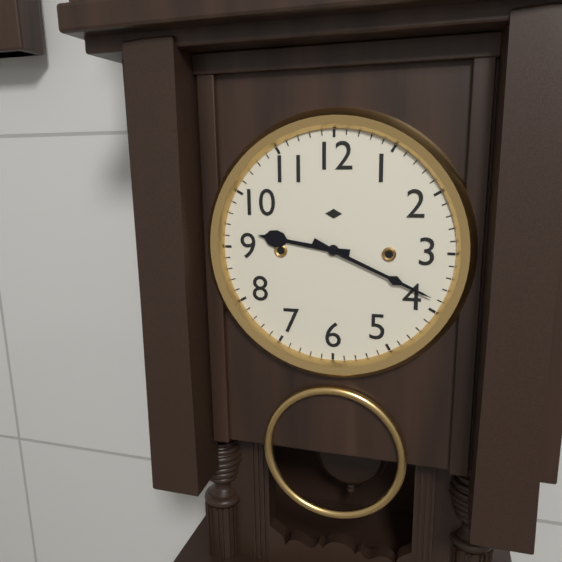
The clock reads **9:19**
